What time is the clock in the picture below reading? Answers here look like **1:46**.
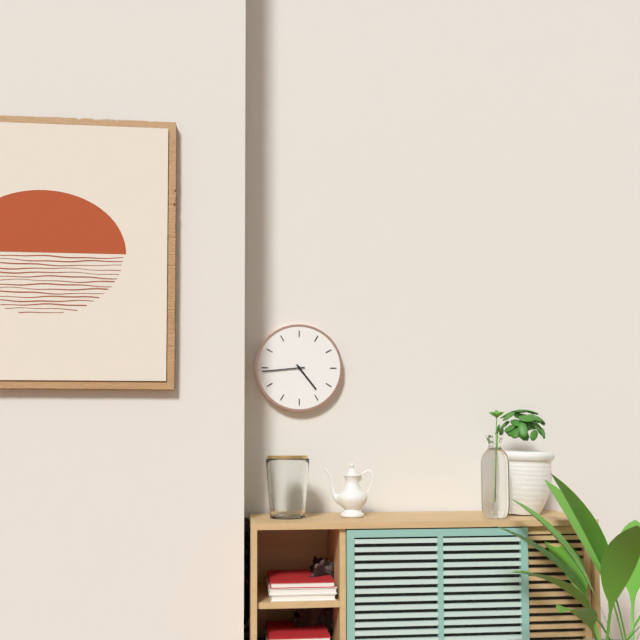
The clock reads **4:44**
